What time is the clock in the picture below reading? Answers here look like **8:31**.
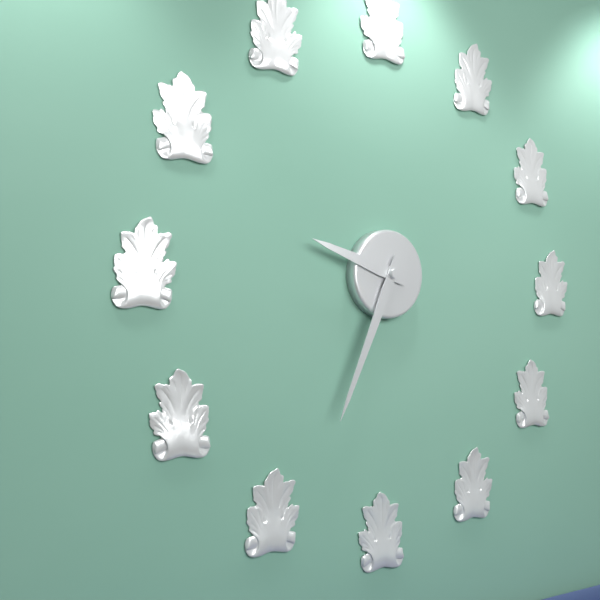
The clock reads **9:34**
